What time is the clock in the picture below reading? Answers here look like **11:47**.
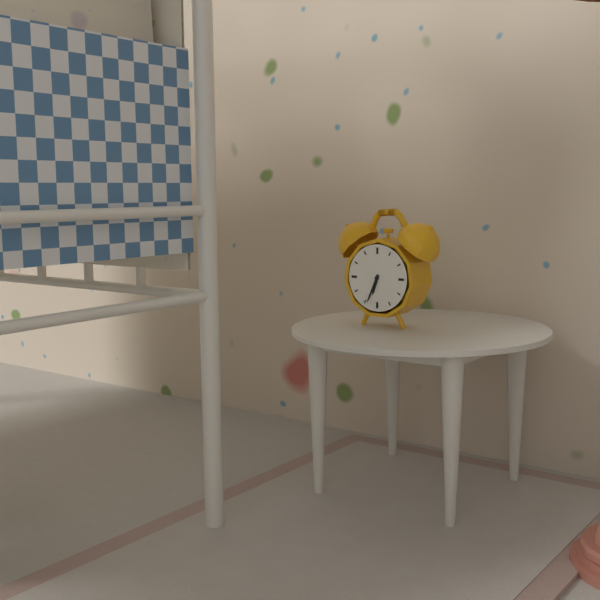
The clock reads **6:34**
